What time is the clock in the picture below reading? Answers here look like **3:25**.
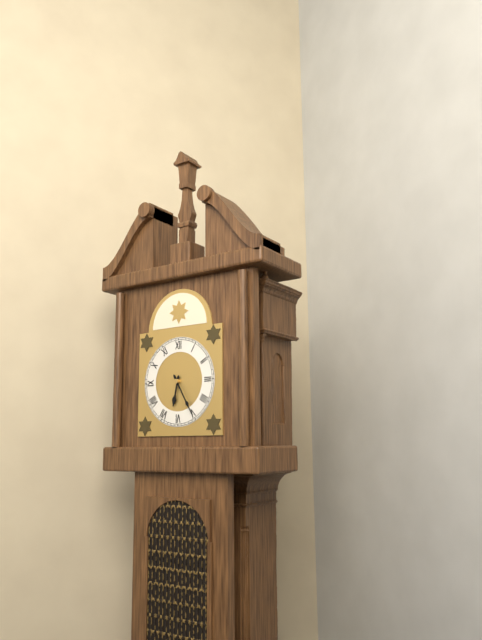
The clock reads **6:25**
